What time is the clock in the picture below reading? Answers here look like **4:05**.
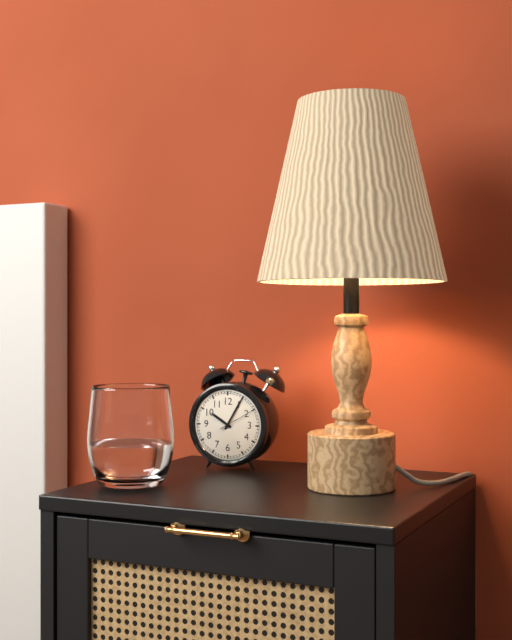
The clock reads **10:05**
